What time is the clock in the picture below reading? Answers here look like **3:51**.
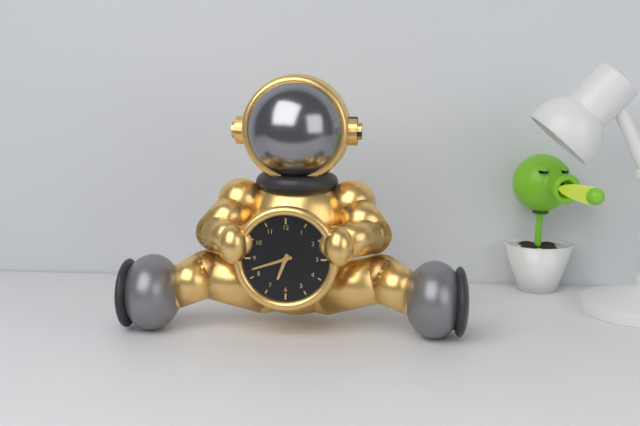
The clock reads **6:42**
